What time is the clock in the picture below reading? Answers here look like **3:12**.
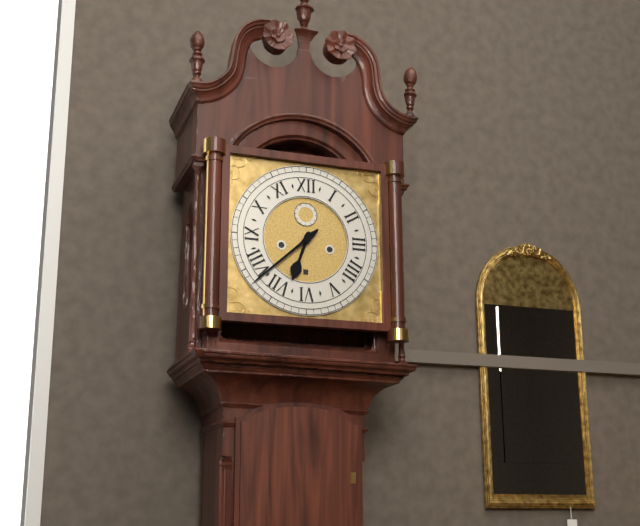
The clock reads **6:38**
